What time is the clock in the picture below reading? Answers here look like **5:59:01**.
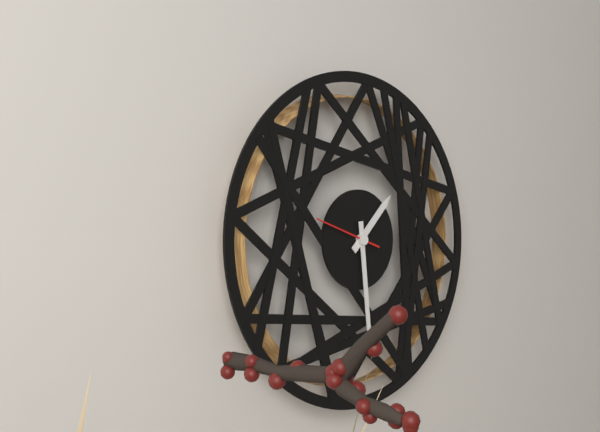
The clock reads **1:29:48**
